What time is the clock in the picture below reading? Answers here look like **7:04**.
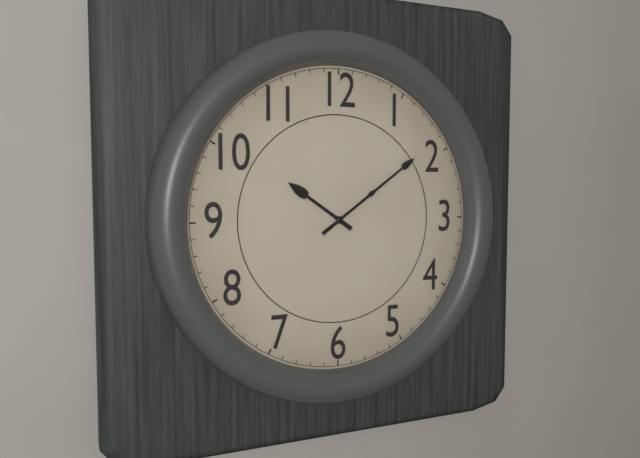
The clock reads **10:09**
